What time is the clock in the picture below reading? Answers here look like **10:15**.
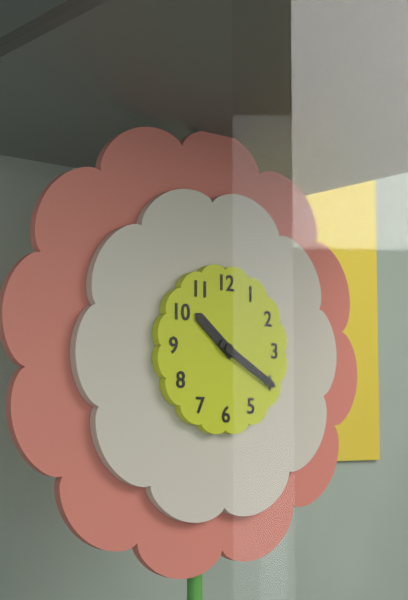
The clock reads **10:20**
